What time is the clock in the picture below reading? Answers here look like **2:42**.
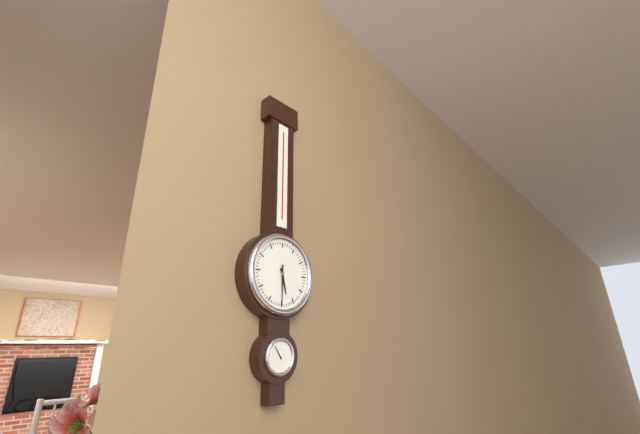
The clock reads **5:30**
